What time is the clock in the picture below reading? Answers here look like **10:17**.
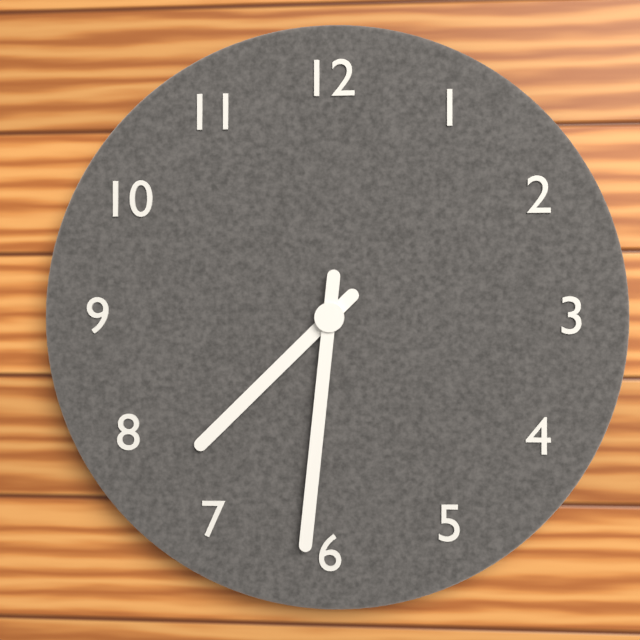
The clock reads **7:31**
